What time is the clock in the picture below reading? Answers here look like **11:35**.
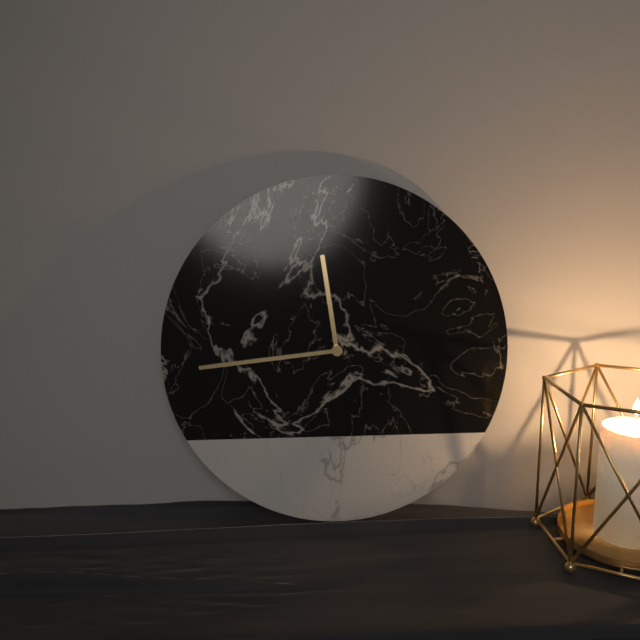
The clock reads **11:44**
